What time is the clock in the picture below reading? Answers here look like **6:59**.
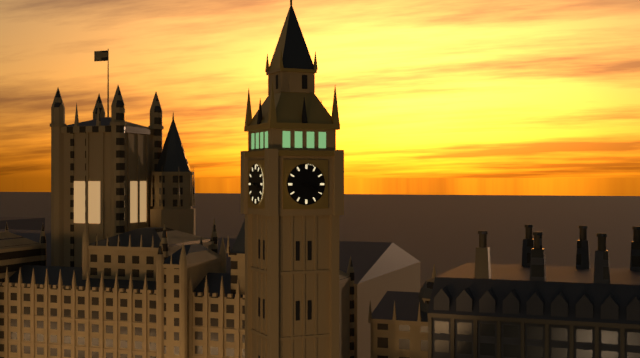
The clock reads **3:20**
